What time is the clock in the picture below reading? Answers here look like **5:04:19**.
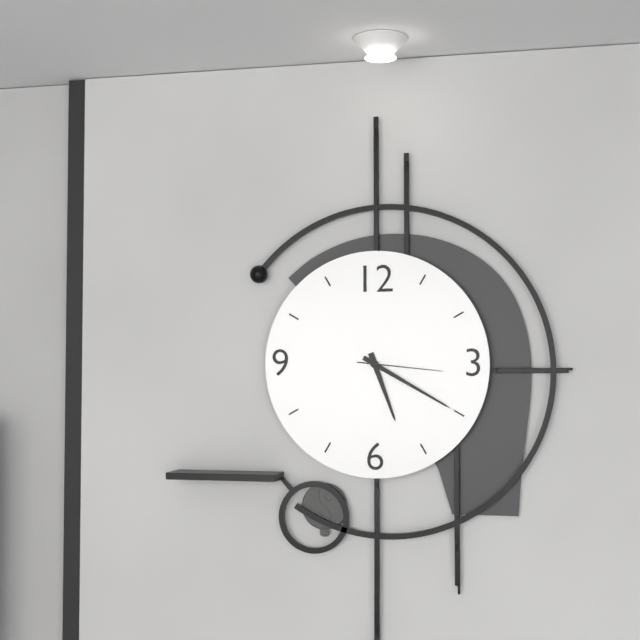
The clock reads **5:20:16**
